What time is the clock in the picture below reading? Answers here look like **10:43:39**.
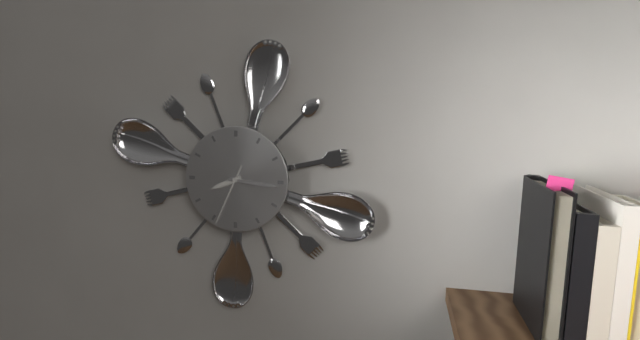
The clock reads **8:16:34**
